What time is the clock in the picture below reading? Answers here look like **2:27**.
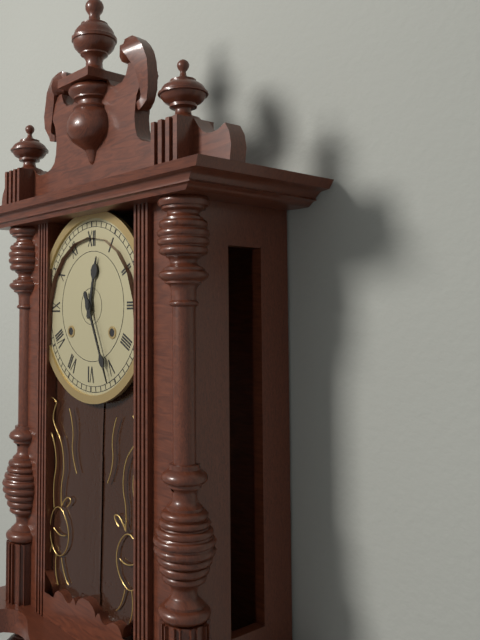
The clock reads **12:26**
